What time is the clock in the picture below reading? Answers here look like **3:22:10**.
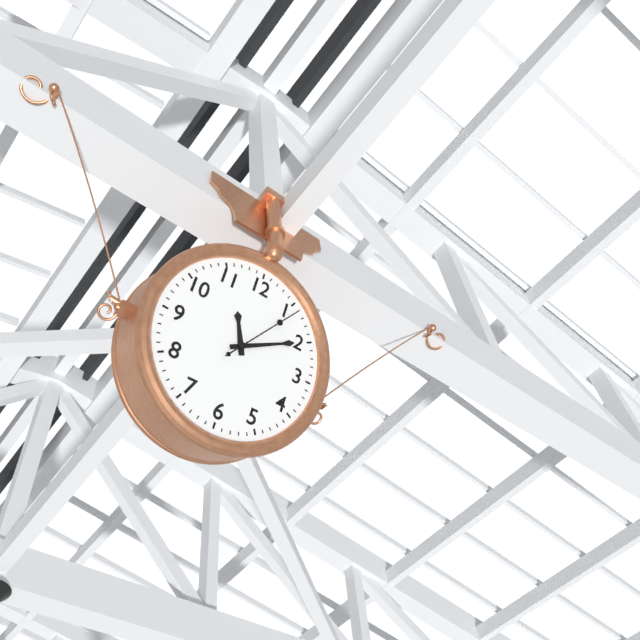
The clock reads **11:10:06**
